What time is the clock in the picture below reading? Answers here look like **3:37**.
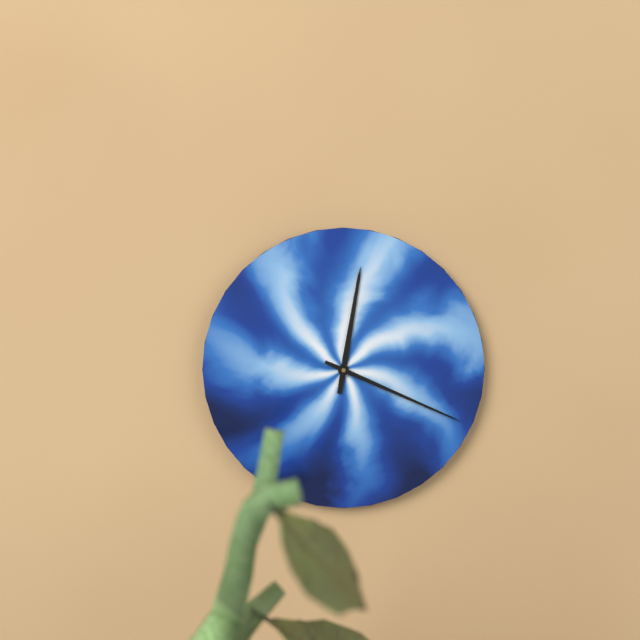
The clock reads **12:19**
